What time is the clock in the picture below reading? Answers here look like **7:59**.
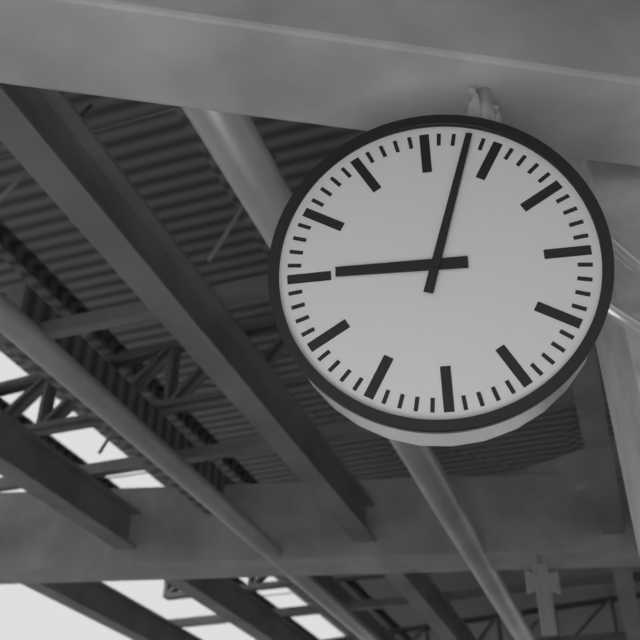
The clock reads **9:03**
